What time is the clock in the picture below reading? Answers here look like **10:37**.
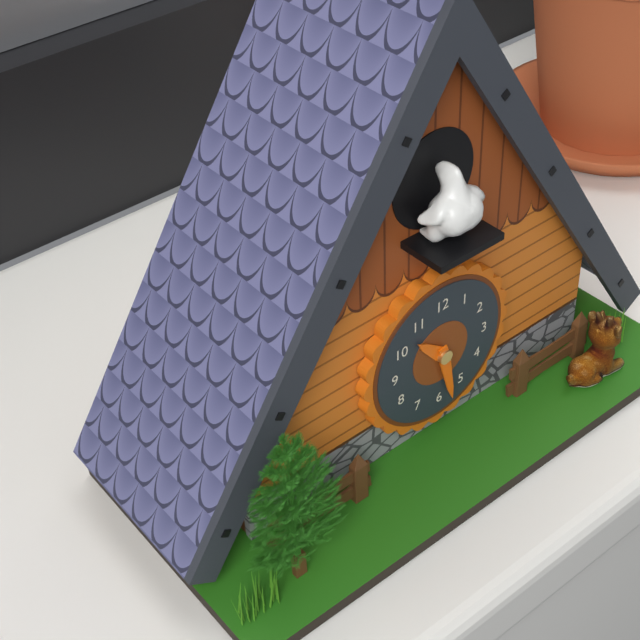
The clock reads **10:28**
